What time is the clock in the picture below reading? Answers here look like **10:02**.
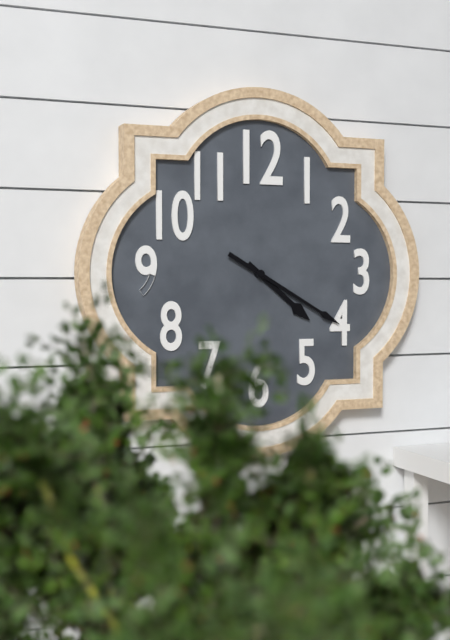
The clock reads **4:20**
